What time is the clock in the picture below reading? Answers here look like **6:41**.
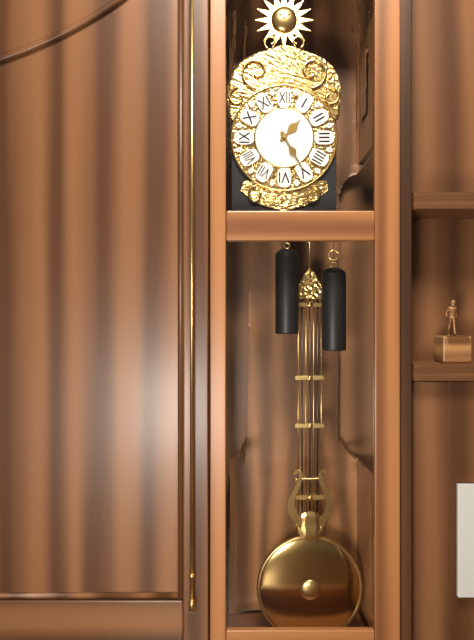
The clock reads **1:25**
